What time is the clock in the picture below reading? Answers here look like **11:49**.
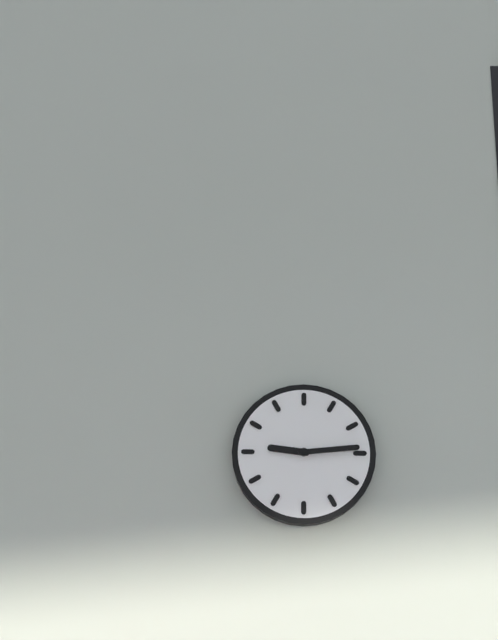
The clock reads **9:14**
